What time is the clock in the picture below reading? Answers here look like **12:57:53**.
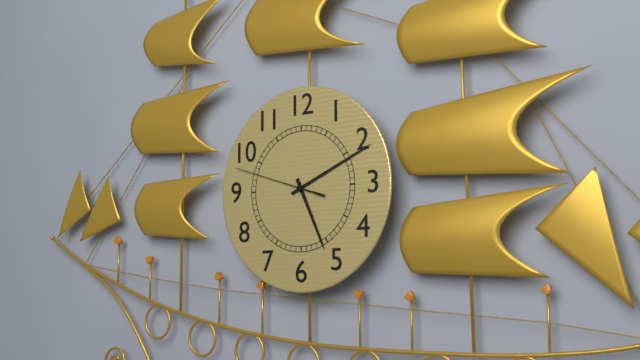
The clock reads **5:11:48**
